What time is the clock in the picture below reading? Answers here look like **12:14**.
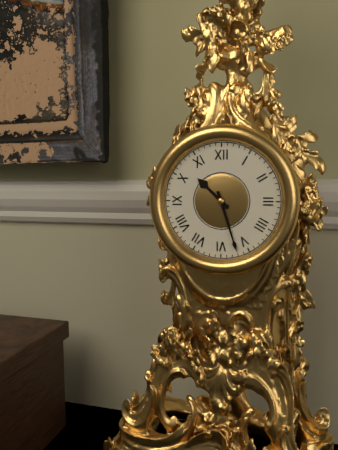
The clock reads **10:27**
